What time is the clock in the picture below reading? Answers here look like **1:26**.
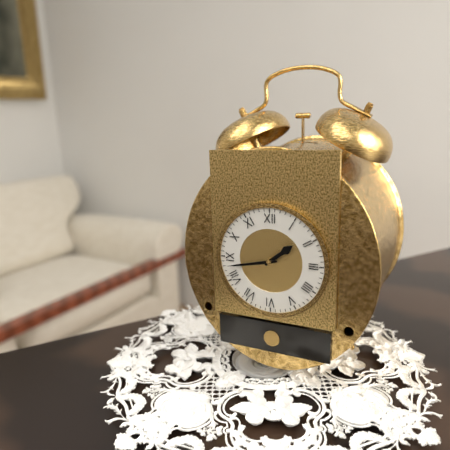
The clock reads **1:43**
